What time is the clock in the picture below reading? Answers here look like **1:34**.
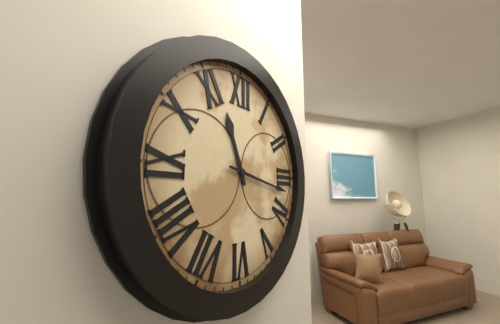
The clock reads **11:17**
